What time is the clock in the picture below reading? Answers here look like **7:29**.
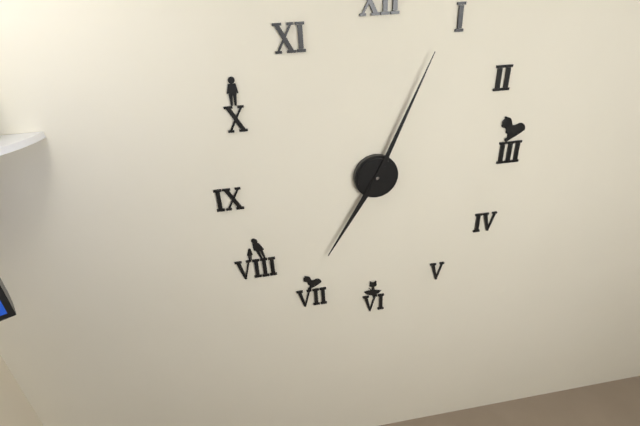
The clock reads **7:04**
